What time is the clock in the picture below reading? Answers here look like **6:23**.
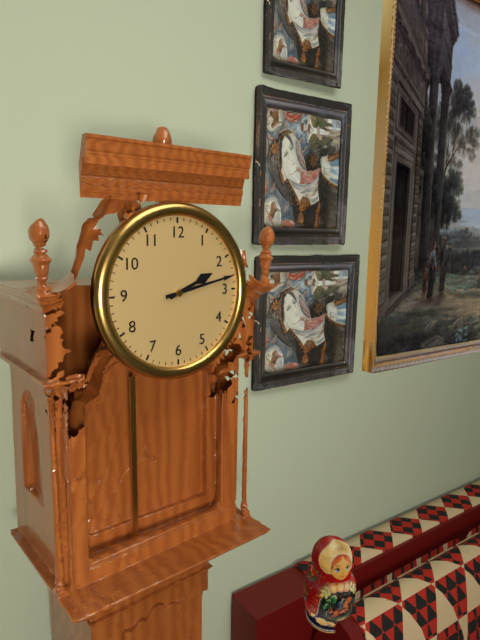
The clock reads **2:13**
